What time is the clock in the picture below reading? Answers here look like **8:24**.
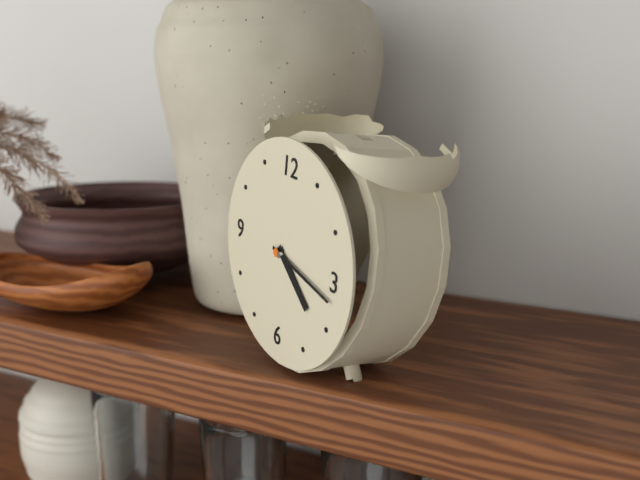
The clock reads **4:17**
